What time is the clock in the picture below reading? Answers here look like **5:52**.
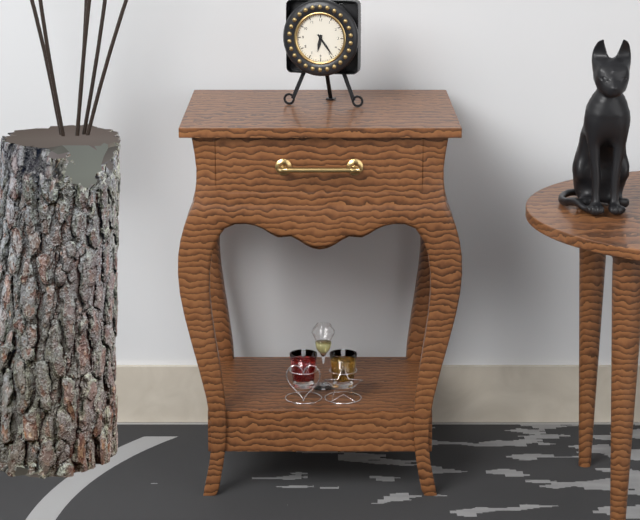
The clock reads **6:24**
